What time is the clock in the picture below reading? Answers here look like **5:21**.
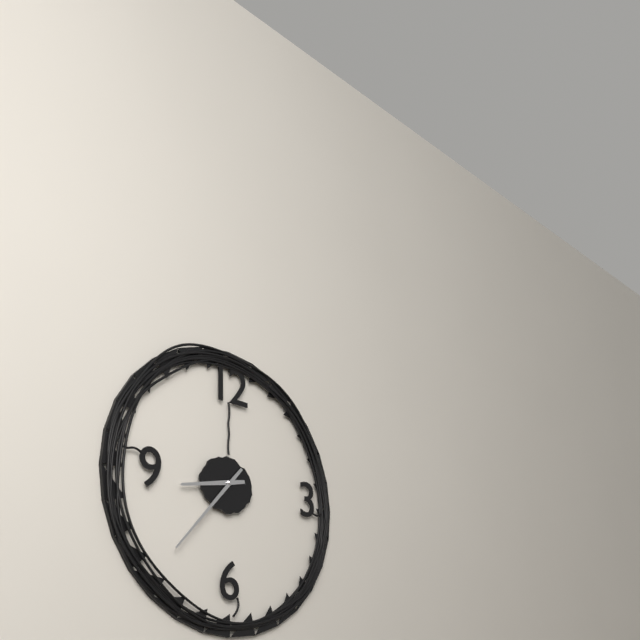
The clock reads **8:37**
